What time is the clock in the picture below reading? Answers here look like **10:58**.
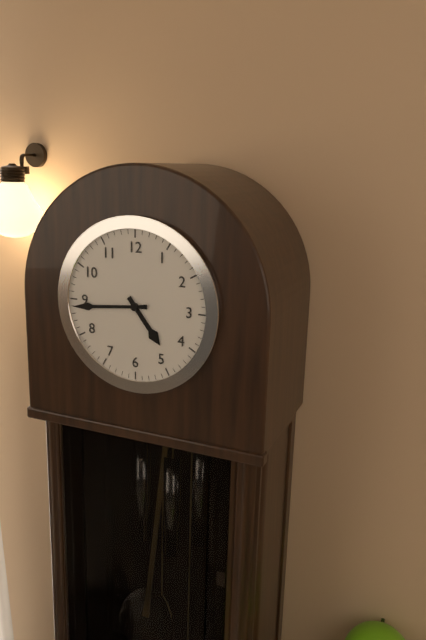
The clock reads **4:44**
